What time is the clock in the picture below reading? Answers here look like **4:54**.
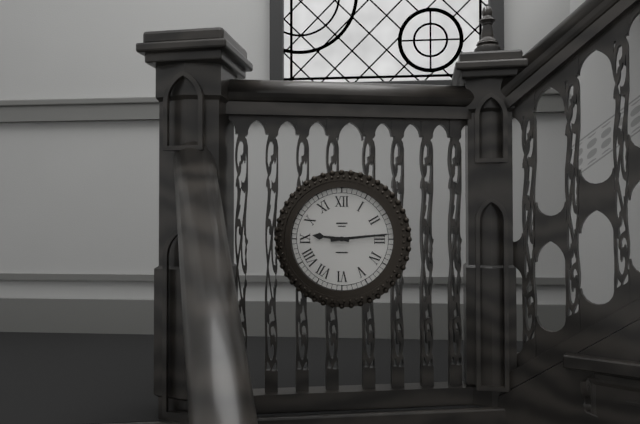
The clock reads **9:14**
